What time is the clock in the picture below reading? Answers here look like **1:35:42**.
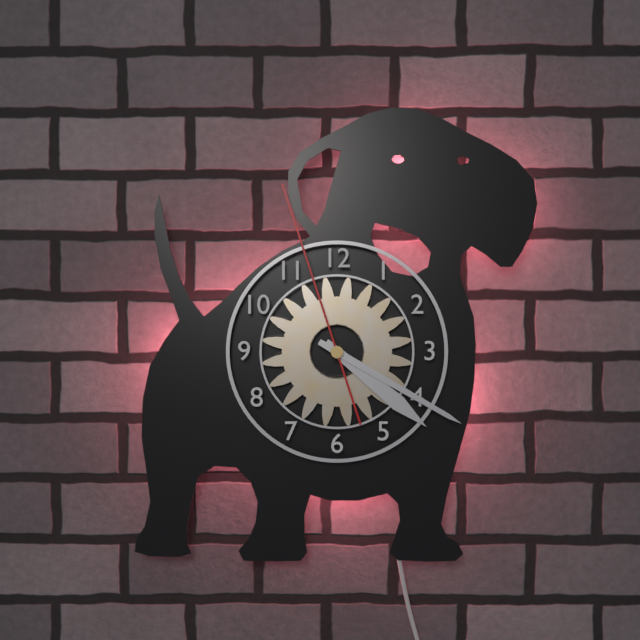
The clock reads **4:20:57**
